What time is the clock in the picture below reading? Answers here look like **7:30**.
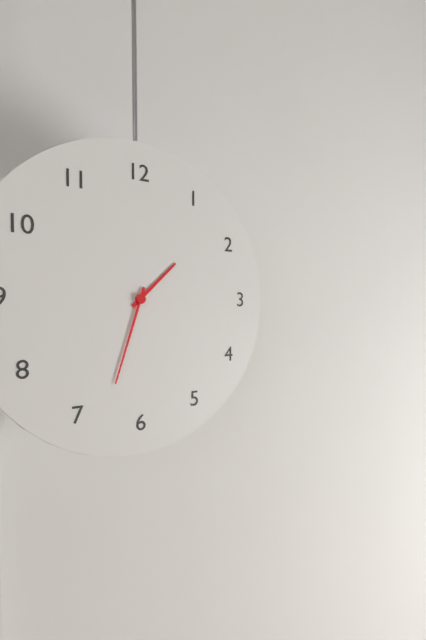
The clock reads **1:33**
